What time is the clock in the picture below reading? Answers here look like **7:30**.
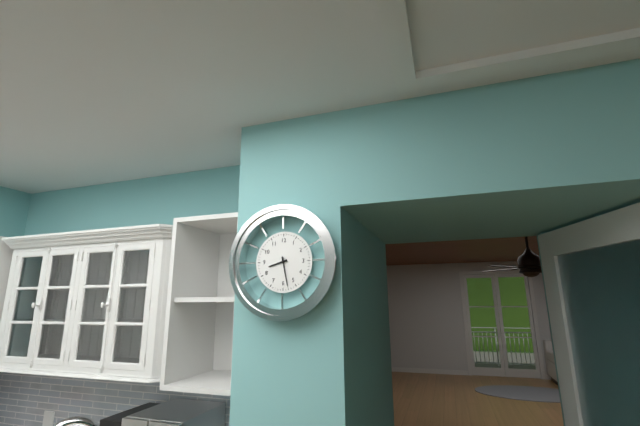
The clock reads **8:28**
